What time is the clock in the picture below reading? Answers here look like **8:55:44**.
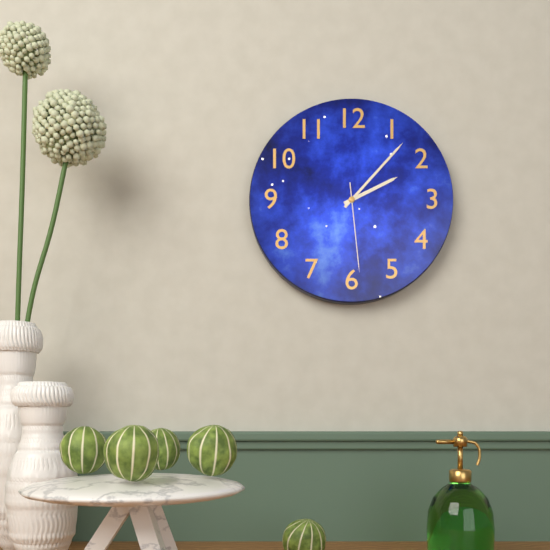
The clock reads **2:07:29**
